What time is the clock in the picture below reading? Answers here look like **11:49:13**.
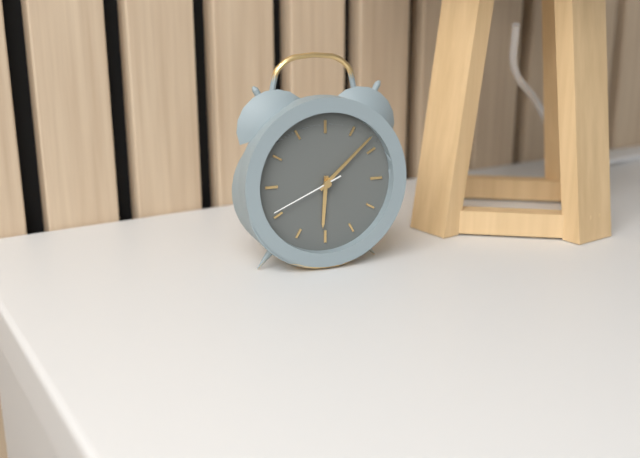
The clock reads **6:08:41**
